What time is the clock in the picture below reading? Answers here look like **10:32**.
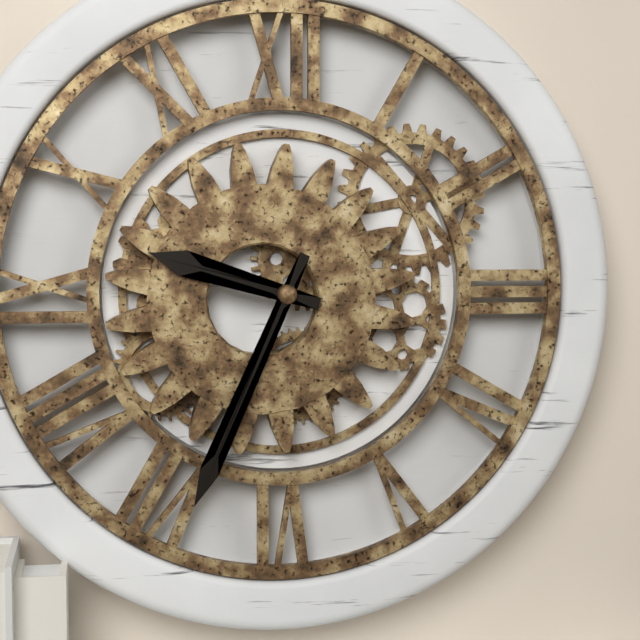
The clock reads **9:34**
